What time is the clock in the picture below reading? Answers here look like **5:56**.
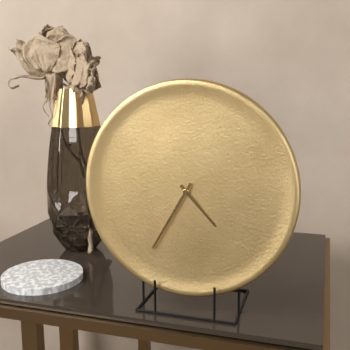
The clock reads **4:35**
